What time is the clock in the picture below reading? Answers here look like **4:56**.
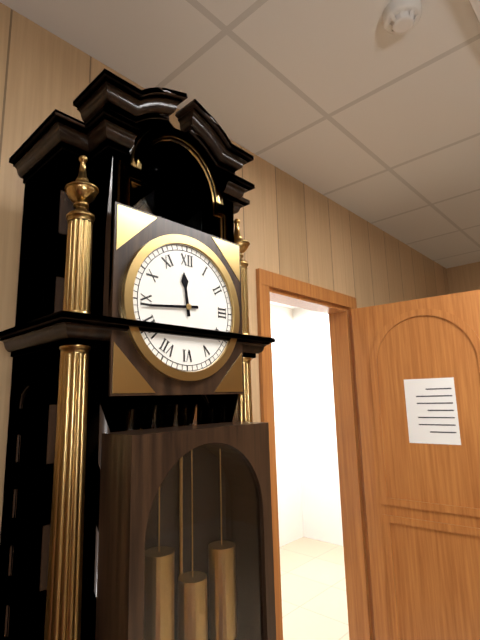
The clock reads **11:44**
